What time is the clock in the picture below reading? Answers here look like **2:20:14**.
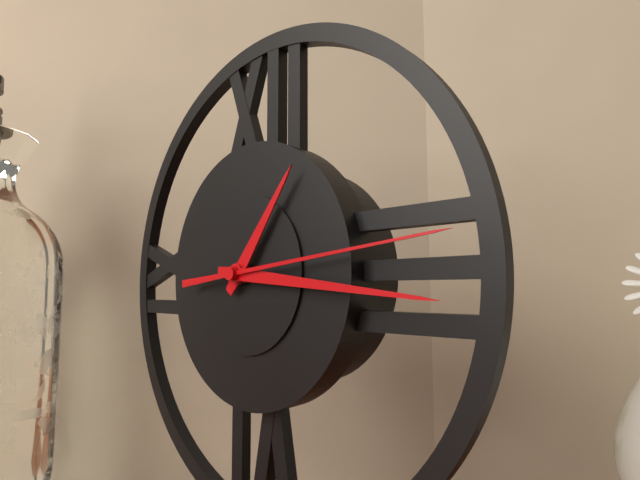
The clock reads **1:16:14**
